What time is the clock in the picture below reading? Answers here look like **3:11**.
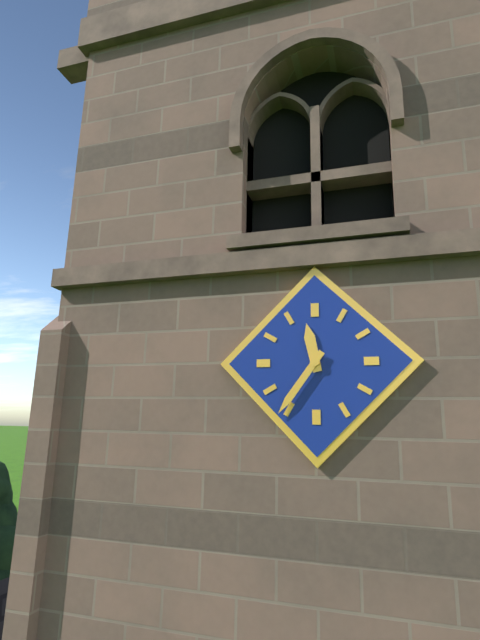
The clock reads **11:36**
